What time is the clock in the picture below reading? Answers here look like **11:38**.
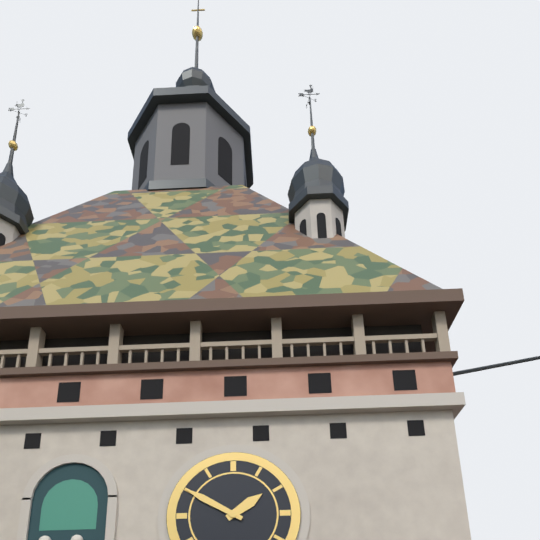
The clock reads **1:50**
